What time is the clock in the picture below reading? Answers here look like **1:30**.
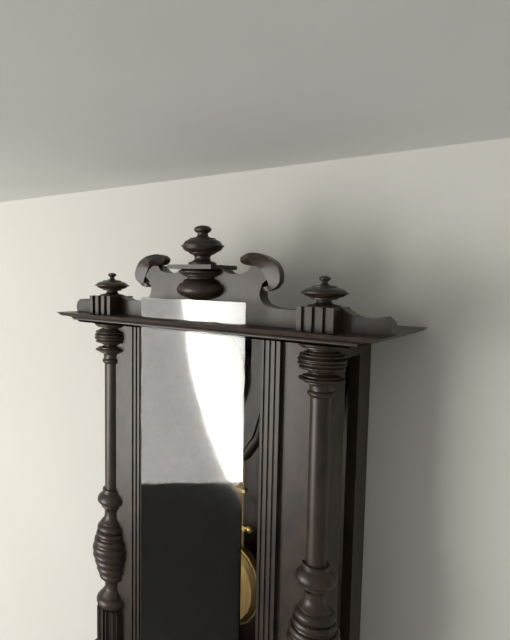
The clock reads **6:29**
